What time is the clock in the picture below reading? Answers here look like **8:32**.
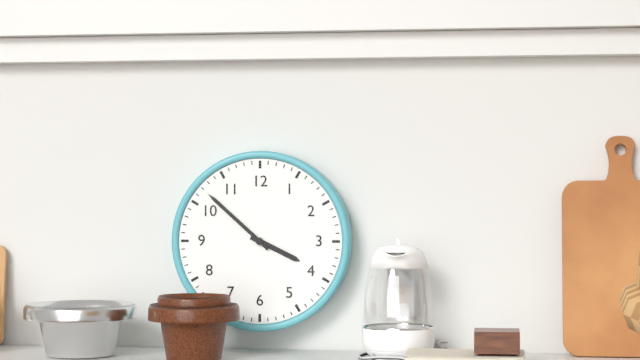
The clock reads **3:52**
